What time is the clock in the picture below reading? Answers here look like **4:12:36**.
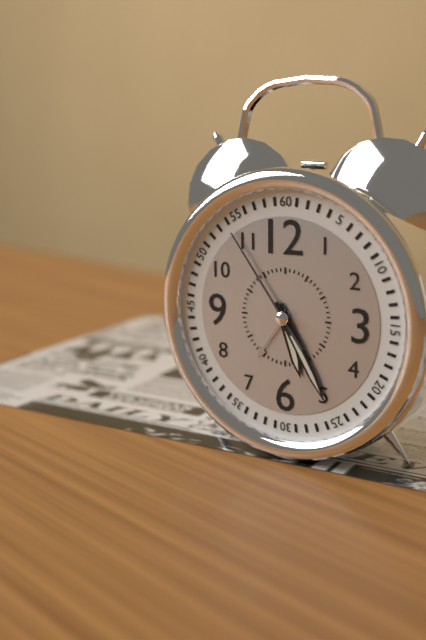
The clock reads **5:25:54**
